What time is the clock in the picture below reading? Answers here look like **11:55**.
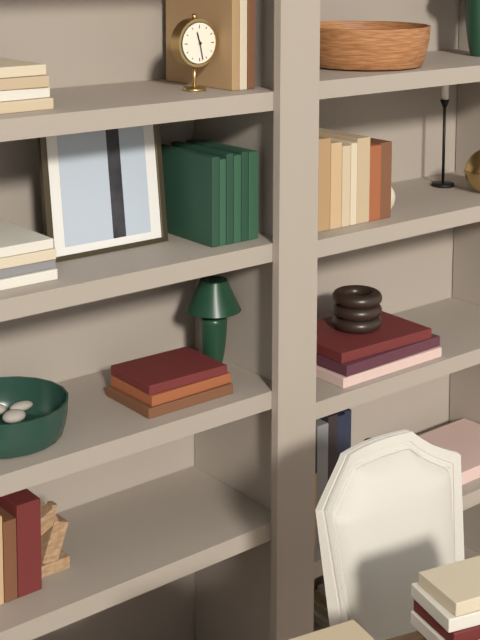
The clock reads **11:28**
